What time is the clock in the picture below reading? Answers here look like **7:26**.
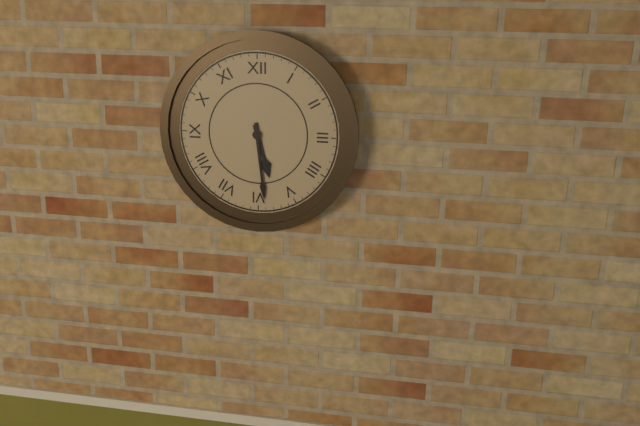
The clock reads **5:29**
